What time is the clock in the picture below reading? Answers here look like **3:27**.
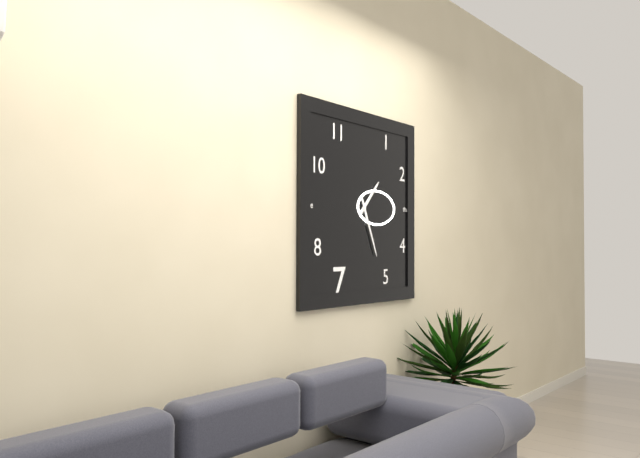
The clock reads **1:26**
